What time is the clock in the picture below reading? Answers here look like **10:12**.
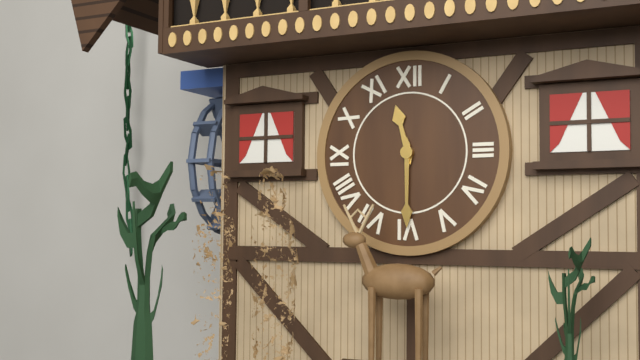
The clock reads **11:30**
